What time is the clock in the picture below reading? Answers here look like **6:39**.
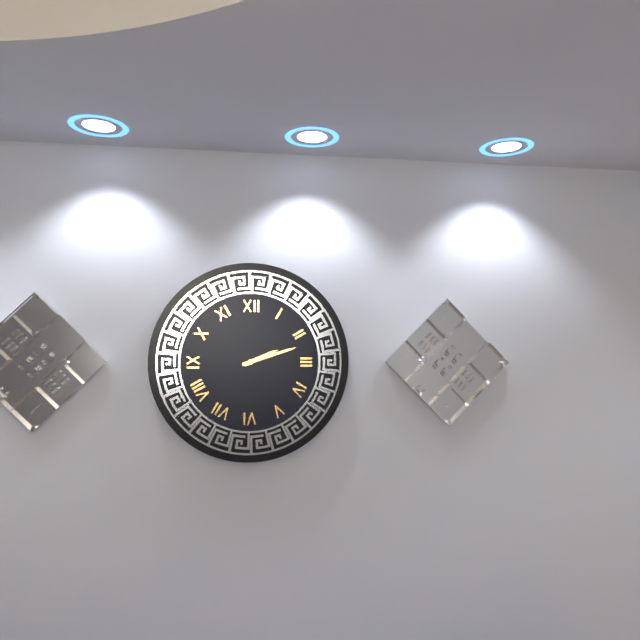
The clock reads **2:12**
